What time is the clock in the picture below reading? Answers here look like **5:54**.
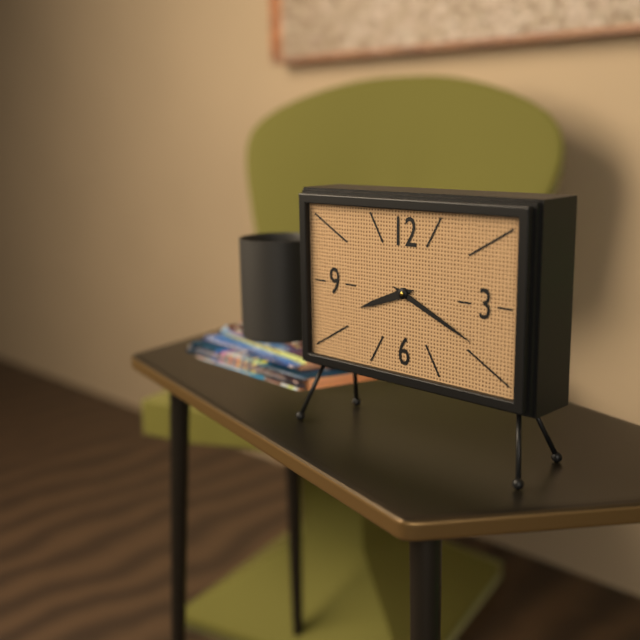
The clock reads **8:19**
